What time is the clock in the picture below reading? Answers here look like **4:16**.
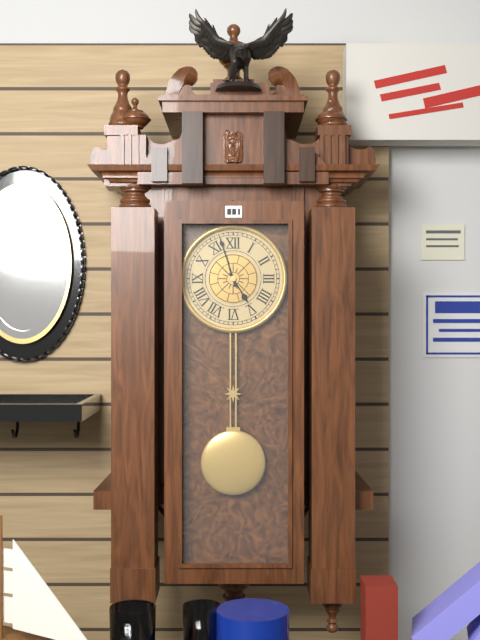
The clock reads **4:57**
